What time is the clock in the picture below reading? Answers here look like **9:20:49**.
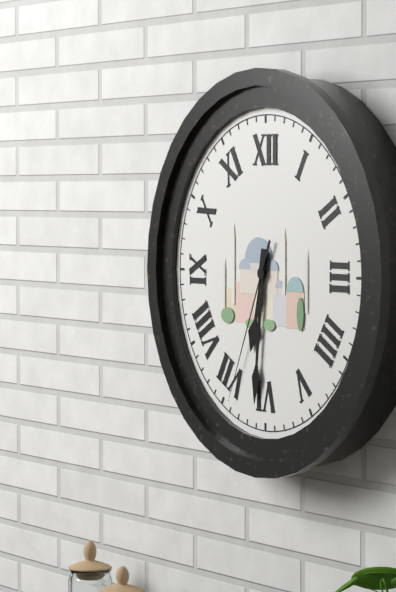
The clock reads **6:31:34**
